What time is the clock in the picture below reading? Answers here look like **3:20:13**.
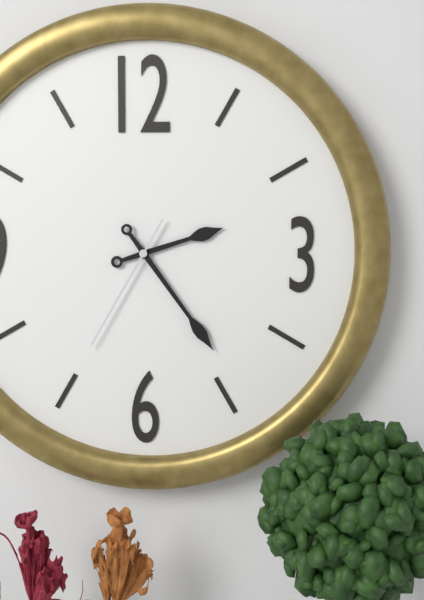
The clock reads **2:24:35**
